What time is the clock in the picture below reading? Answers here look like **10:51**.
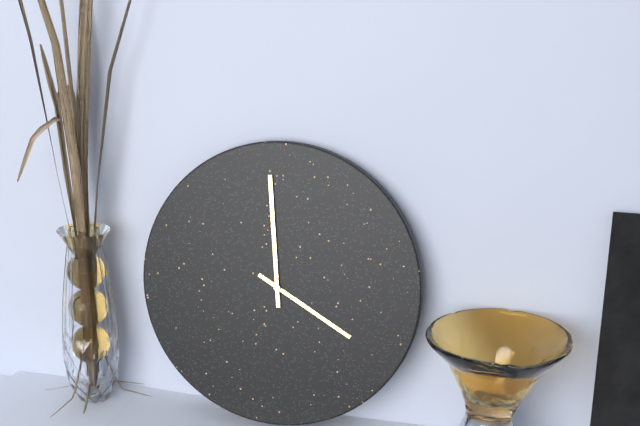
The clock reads **3:59**
